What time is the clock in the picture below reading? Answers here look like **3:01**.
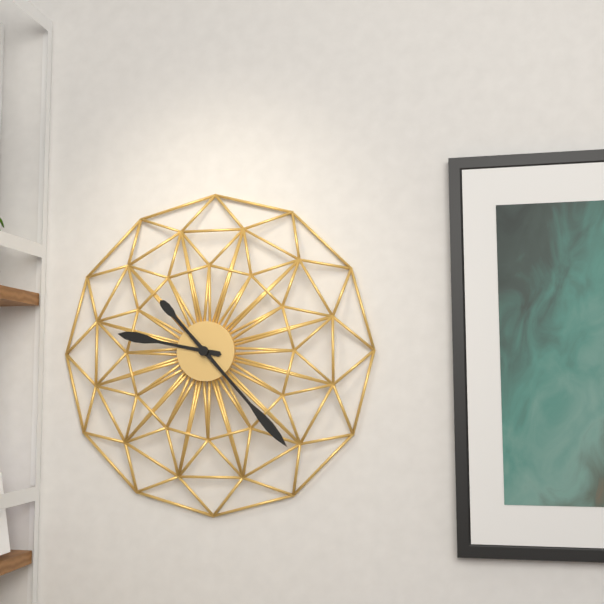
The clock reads **9:23**
